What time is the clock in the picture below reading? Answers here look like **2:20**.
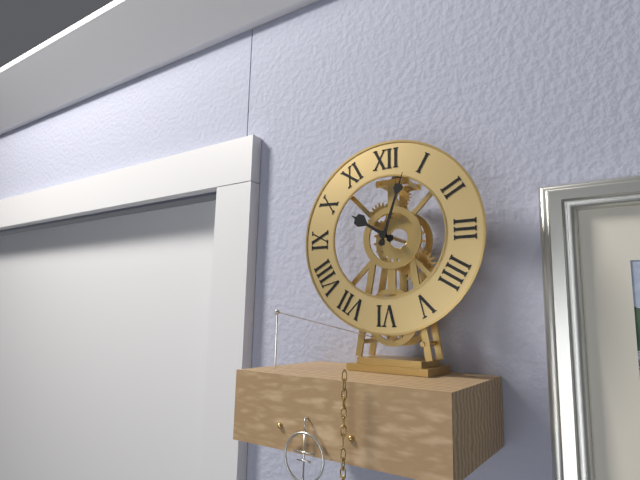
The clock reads **10:03**
